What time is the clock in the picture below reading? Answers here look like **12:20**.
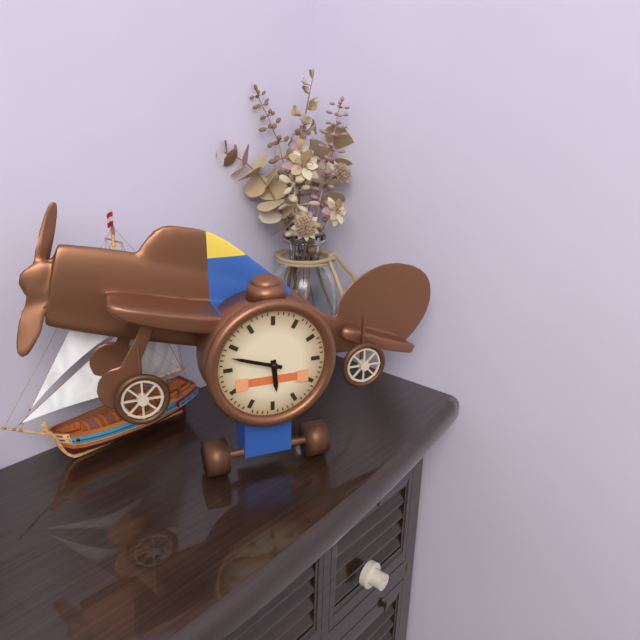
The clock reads **5:48**
